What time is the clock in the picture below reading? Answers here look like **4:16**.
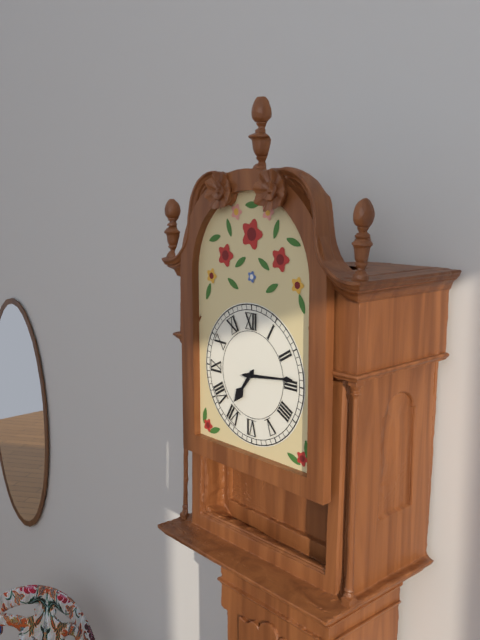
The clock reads **7:14**
